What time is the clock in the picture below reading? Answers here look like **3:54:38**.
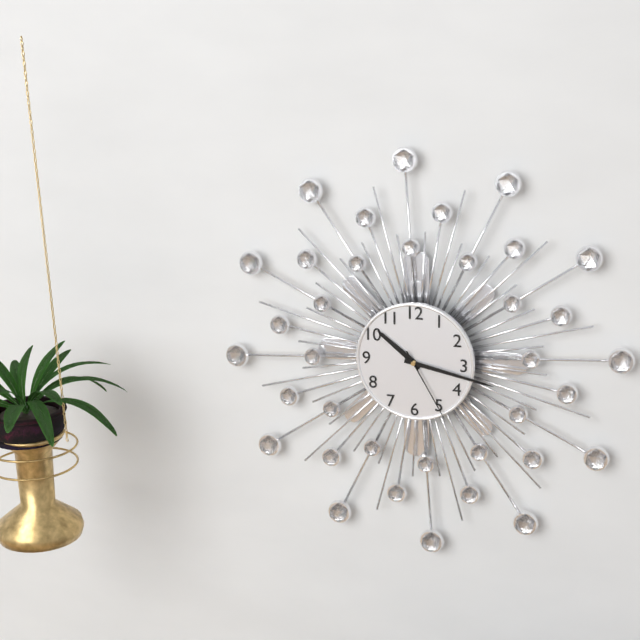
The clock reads **10:17:25**
